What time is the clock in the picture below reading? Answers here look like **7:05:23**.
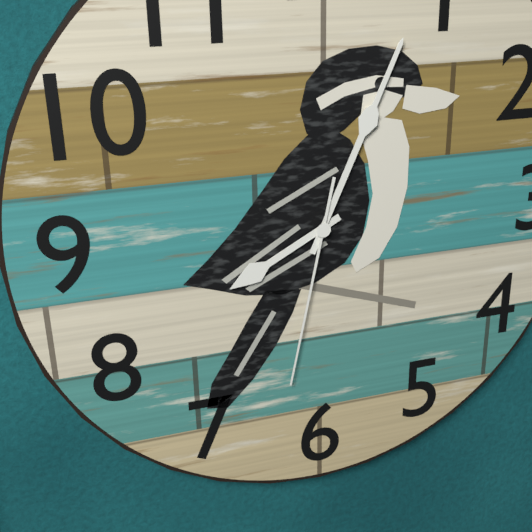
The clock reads **8:04:32**
